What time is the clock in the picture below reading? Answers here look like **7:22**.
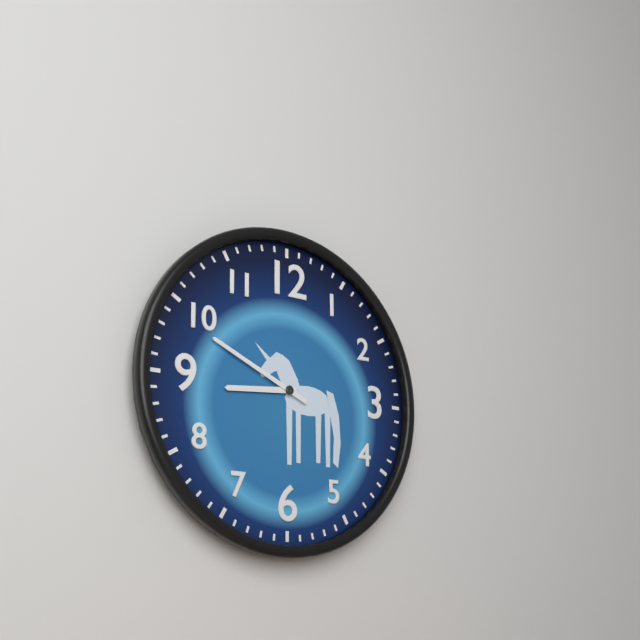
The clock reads **8:49**
